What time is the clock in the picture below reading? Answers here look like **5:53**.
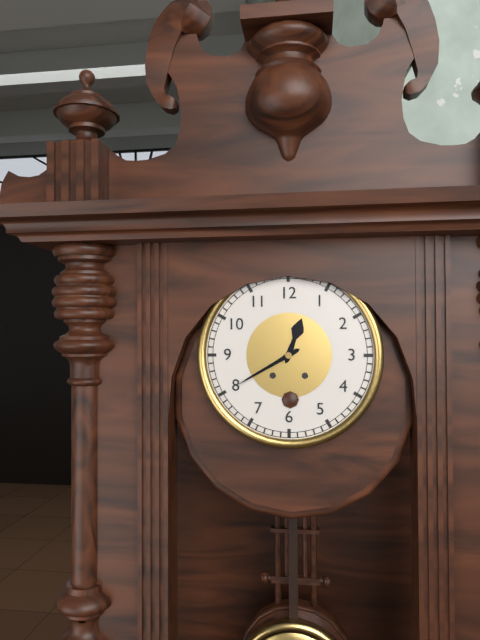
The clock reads **12:40**
